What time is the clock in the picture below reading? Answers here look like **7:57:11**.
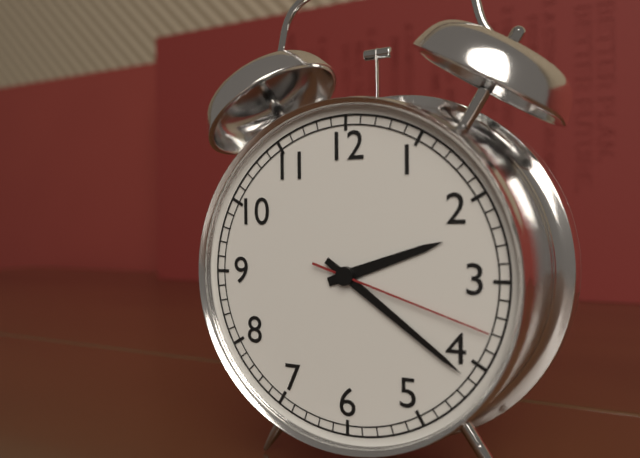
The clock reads **2:21:18**
